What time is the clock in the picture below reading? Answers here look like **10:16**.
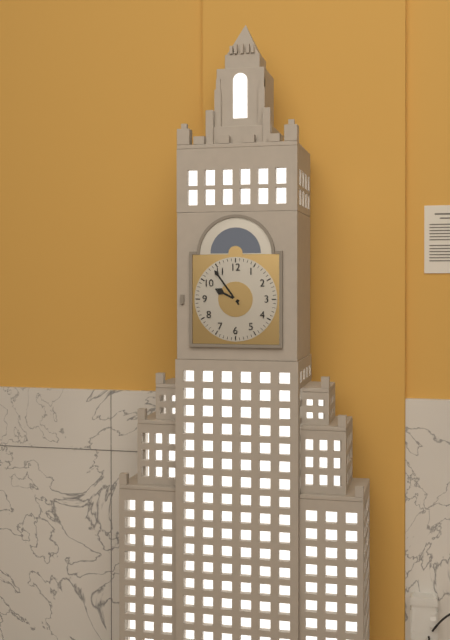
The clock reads **9:54**
